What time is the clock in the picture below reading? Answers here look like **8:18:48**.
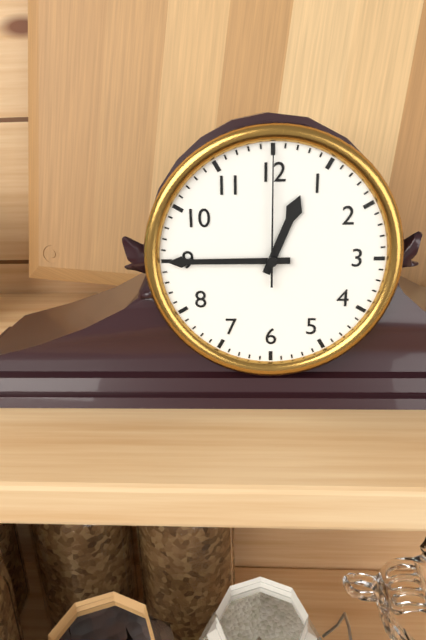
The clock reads **12:45:00**
